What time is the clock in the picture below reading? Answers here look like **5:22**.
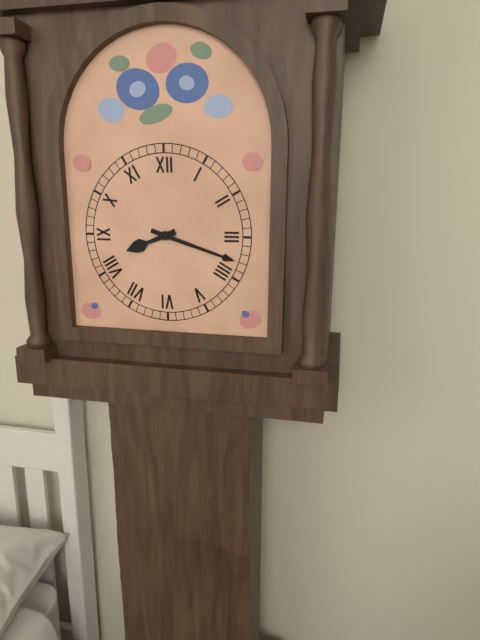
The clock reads **8:18**
